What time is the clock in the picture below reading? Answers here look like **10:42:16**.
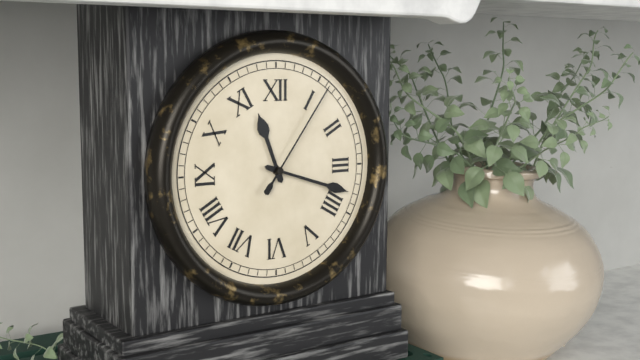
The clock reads **11:18:06**
